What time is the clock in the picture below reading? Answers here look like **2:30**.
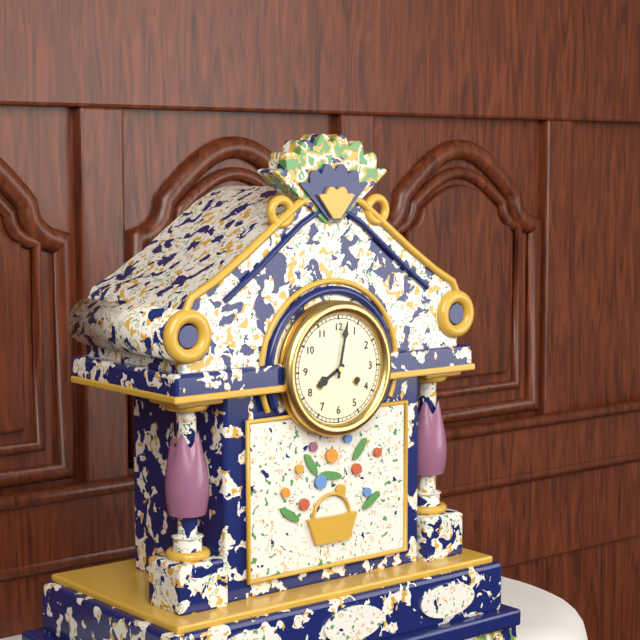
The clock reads **8:02**
